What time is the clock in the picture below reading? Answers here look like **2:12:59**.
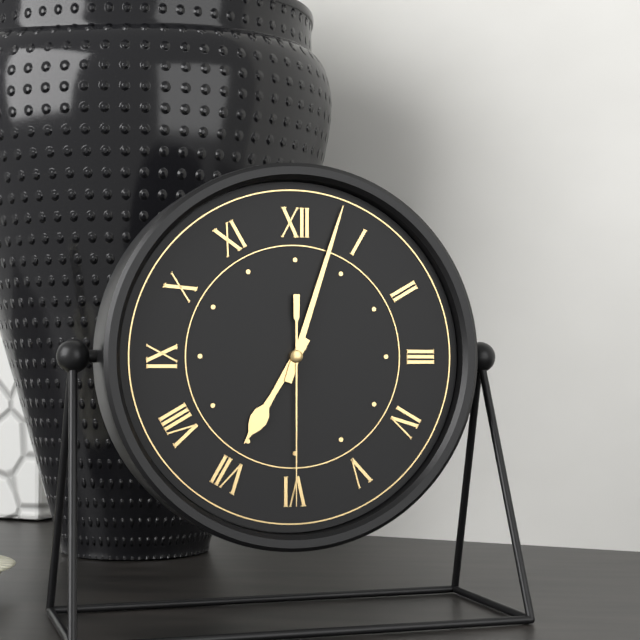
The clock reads **7:03:30**
